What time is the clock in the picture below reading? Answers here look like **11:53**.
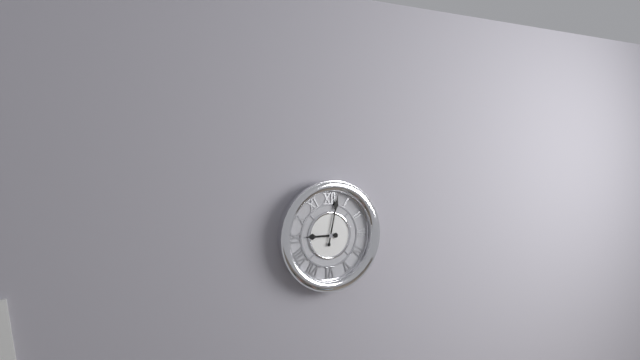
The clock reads **9:02**
